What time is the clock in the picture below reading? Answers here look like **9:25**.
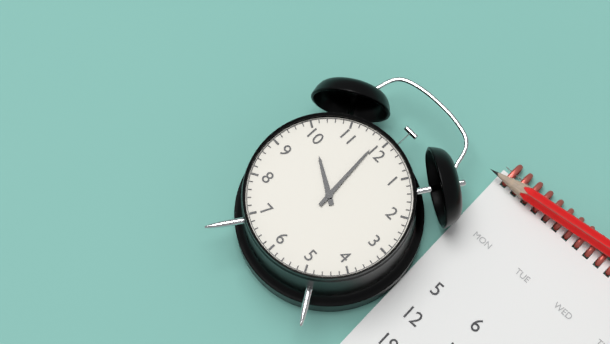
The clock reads **9:59**
